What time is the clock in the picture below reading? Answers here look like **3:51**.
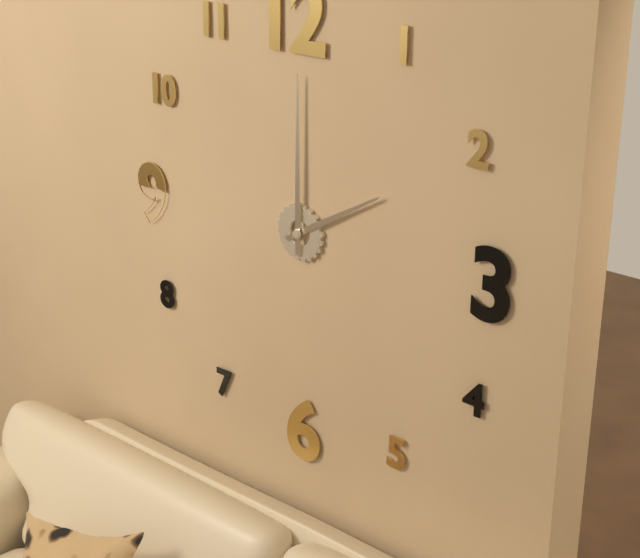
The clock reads **2:00**
